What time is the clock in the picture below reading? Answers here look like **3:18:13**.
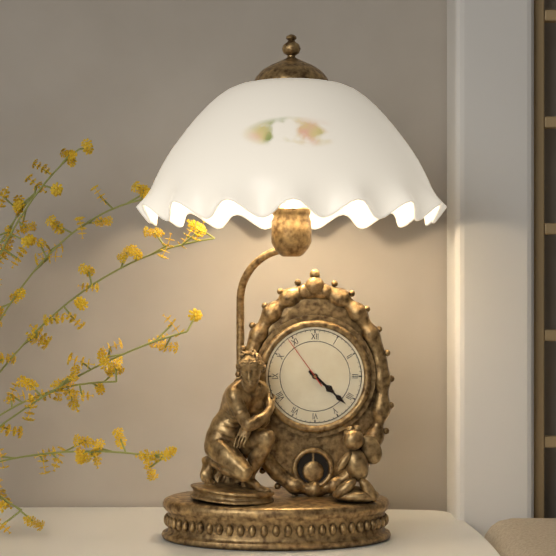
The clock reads **4:22:54**
